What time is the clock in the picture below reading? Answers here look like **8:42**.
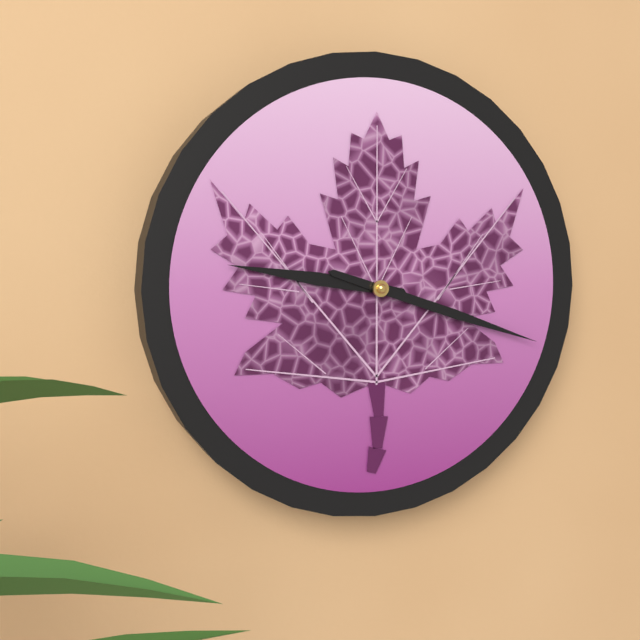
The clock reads **9:18**
